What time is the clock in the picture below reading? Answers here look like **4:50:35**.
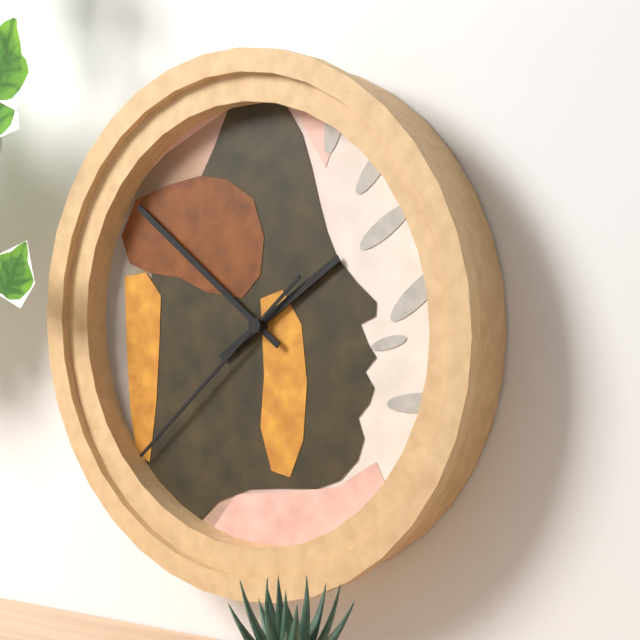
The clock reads **1:51:38**
